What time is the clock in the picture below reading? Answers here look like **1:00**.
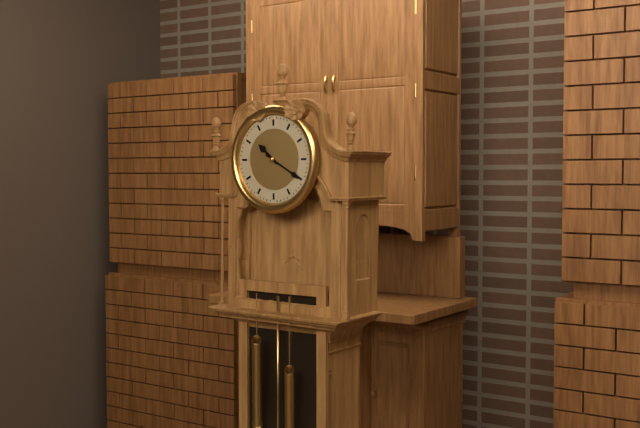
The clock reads **10:20**
